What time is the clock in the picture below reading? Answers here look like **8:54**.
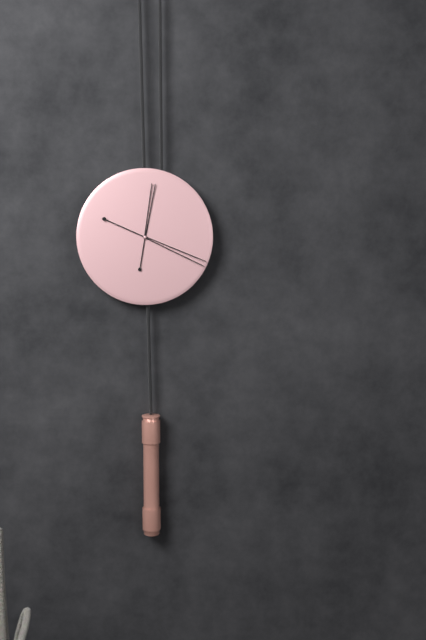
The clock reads **12:19**
